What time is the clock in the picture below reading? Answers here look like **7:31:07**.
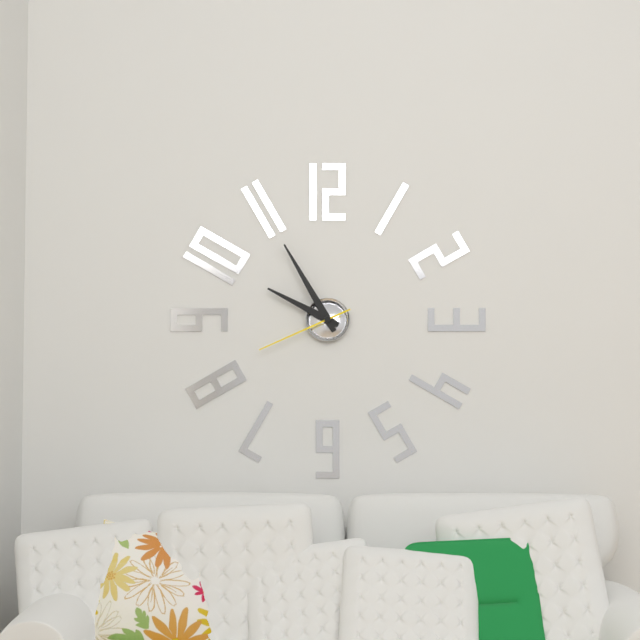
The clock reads **9:55:41**
